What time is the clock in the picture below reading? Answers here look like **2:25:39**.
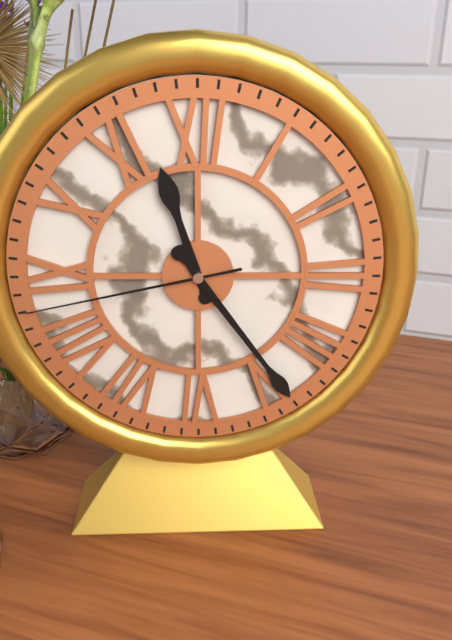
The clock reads **11:24:43**
